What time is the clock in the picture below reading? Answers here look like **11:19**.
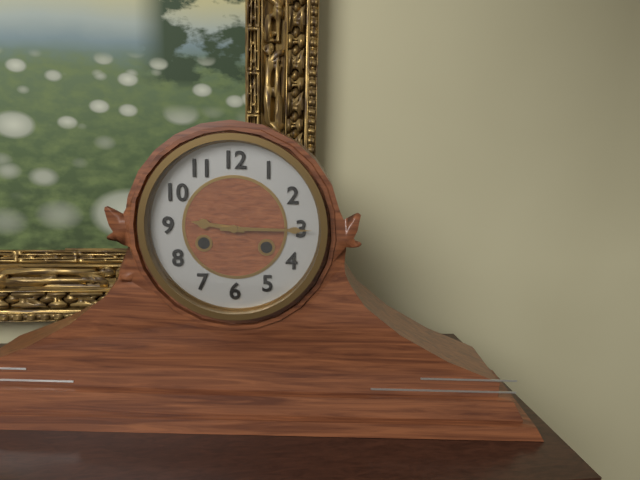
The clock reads **9:15**
